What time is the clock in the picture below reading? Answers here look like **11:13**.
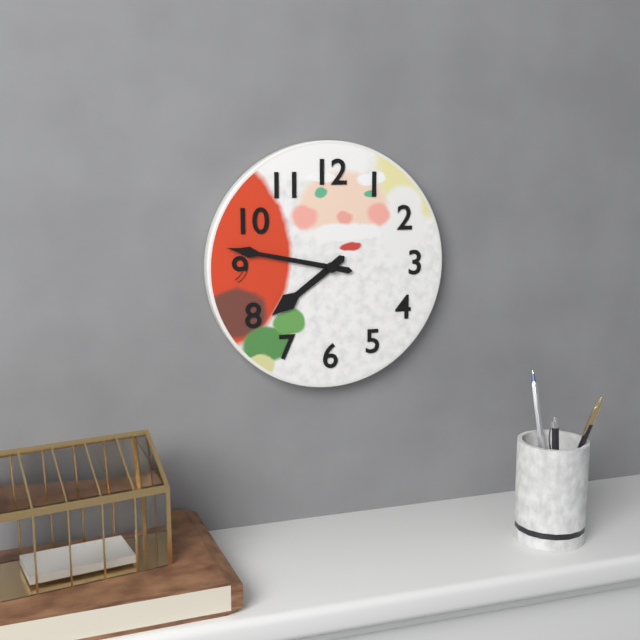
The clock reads **7:47**
